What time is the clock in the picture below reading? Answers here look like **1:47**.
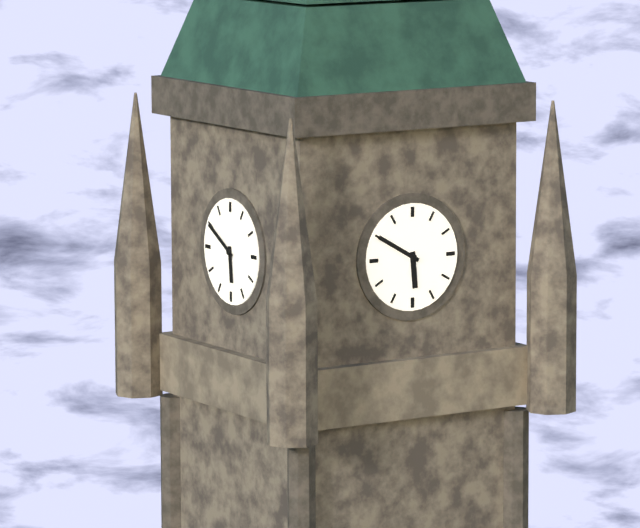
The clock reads **5:50**
